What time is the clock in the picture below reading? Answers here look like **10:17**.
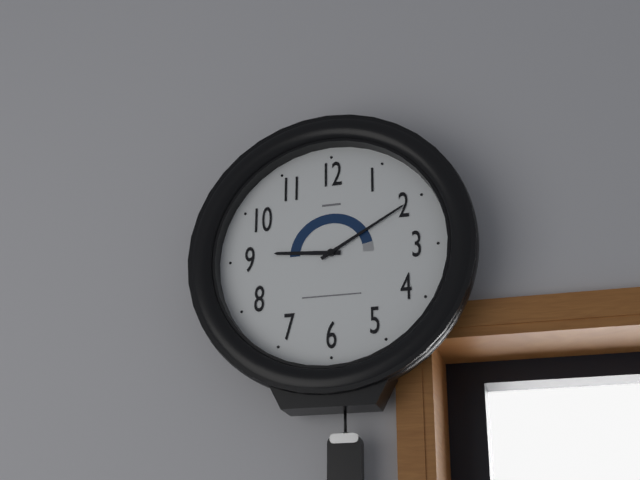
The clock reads **9:10**
